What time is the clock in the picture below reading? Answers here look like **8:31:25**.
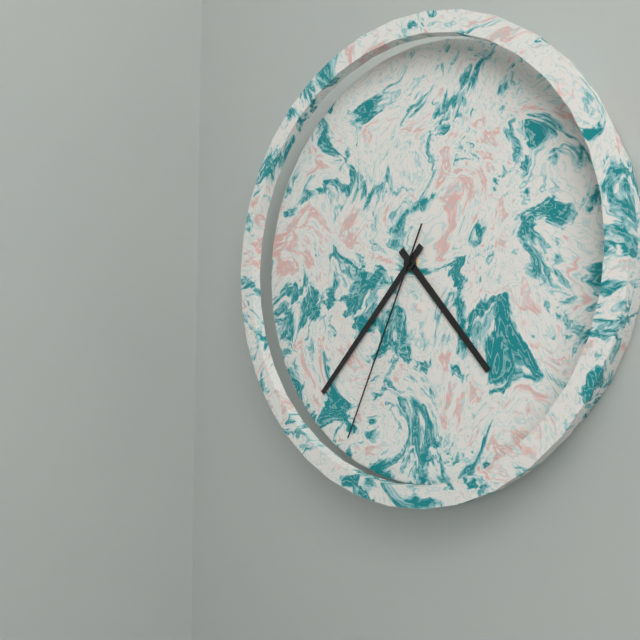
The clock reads **4:37:34**
